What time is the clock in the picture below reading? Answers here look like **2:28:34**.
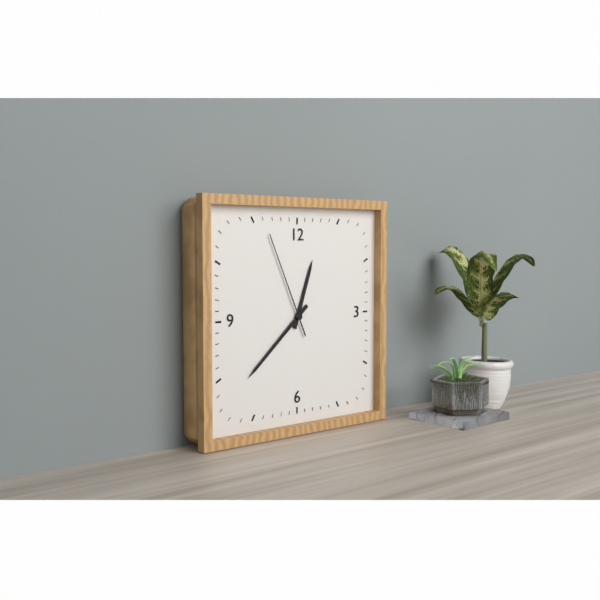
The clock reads **12:38:56**
